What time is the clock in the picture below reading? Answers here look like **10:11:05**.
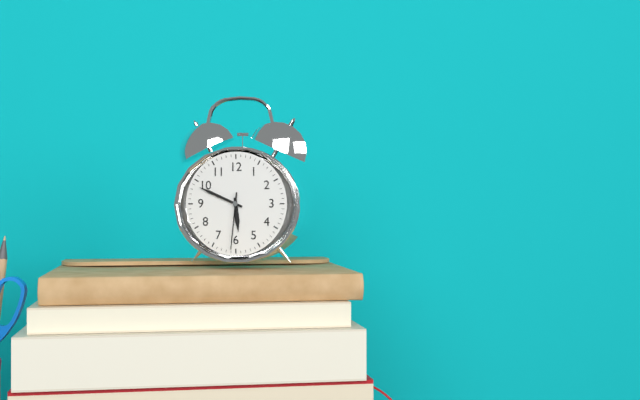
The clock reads **5:49:31**
